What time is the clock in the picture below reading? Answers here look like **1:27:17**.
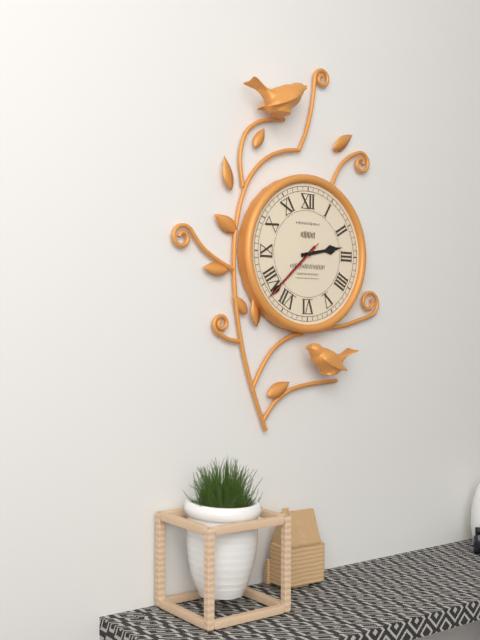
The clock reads **2:38:38**
